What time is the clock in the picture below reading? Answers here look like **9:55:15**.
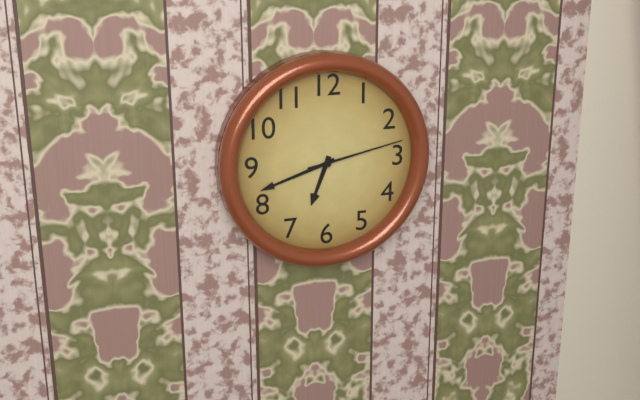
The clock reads **6:42:13**
